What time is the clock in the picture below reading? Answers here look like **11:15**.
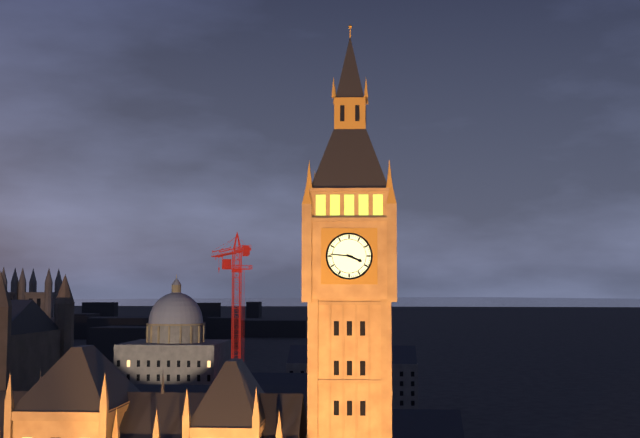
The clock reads **3:46**
